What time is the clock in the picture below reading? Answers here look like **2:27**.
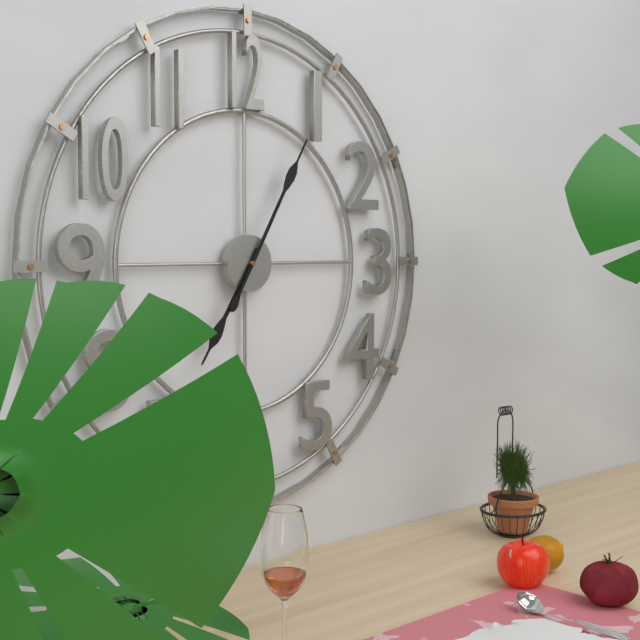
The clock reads **7:05**
